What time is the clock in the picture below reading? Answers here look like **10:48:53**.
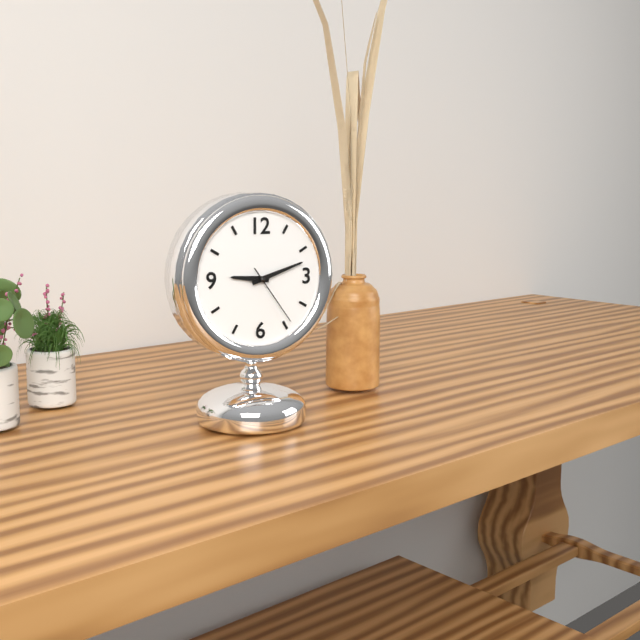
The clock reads **9:12:24**
